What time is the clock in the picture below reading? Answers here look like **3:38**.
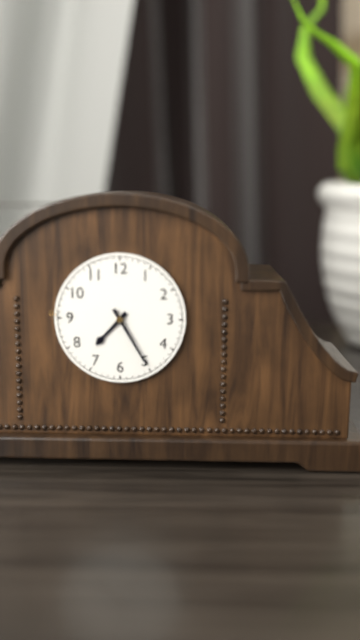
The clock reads **7:25**
